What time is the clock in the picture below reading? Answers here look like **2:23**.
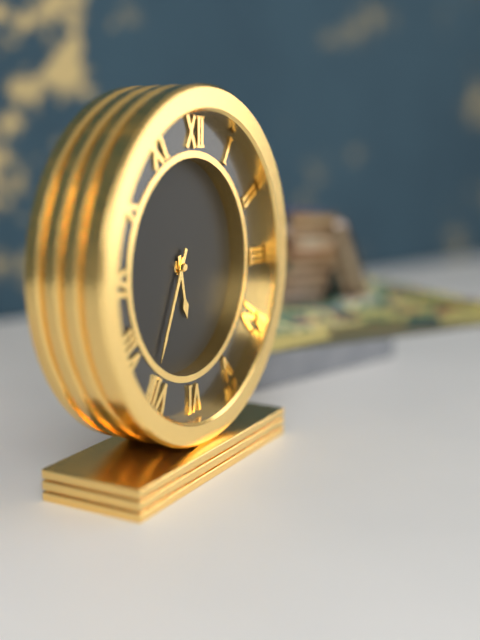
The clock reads **5:34**
